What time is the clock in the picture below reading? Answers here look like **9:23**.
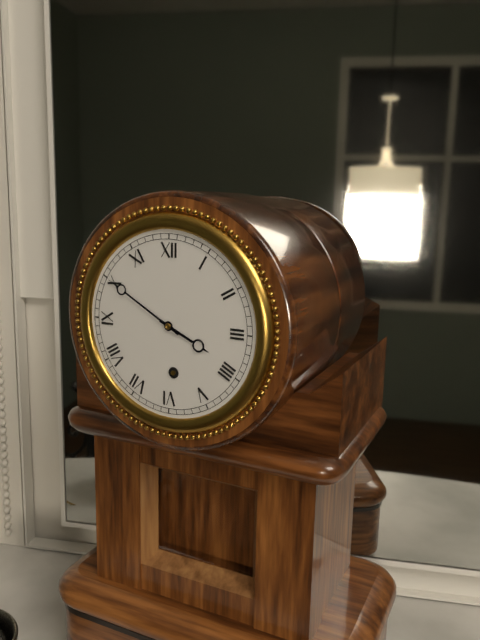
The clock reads **3:50**
